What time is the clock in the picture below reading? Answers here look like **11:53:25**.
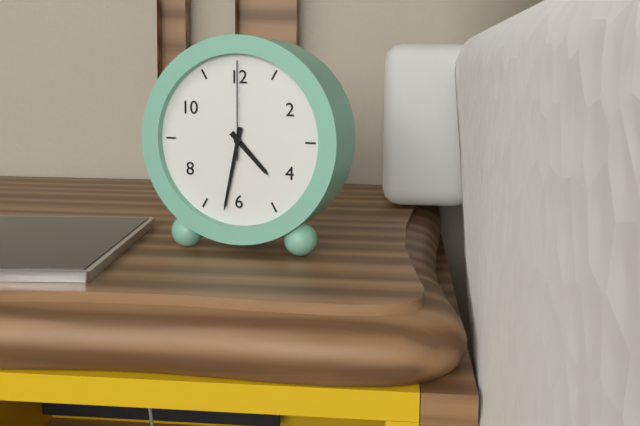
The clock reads **4:32:00**
